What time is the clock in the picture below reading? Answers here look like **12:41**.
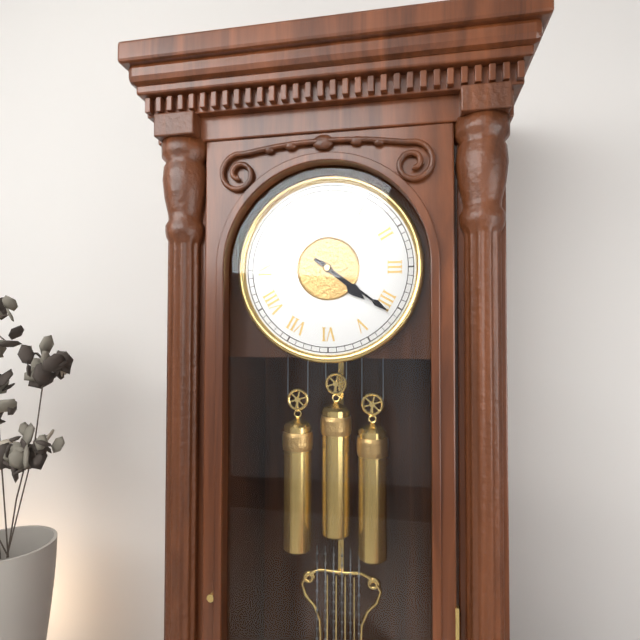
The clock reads **4:21**
